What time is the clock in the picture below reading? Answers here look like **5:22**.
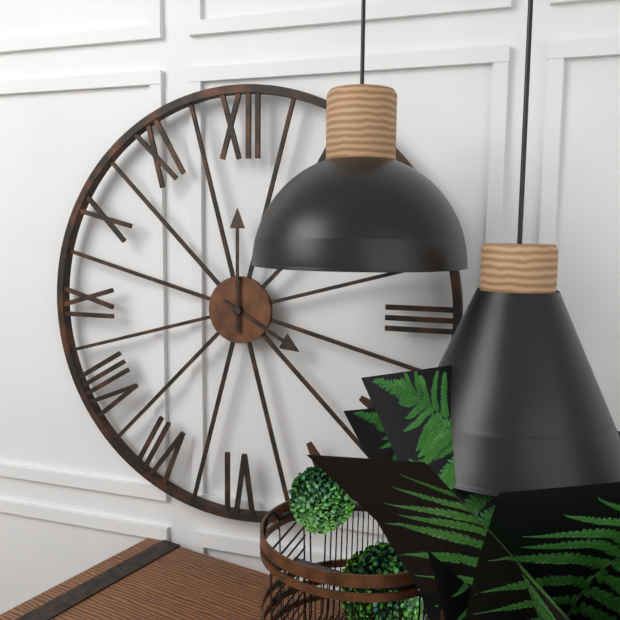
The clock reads **4:00**
